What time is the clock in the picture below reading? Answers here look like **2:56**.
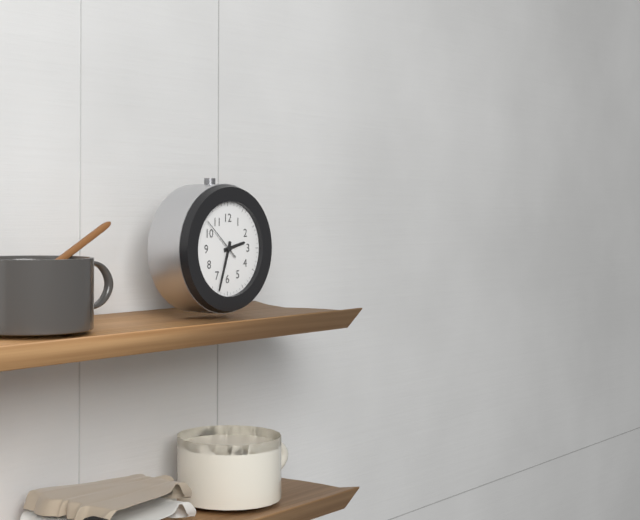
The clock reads **2:33**
